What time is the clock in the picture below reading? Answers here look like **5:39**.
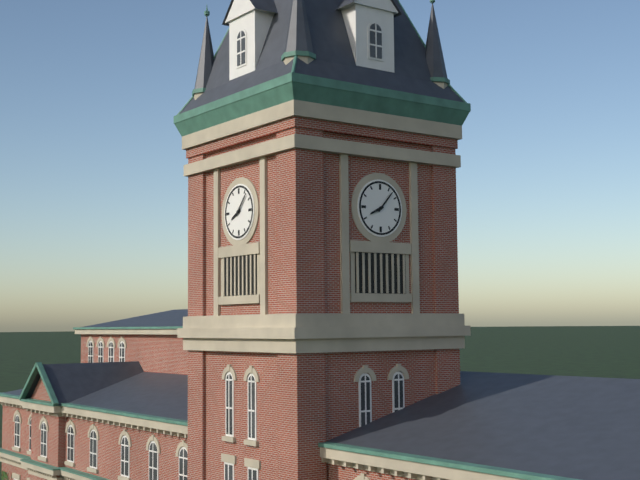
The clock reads **8:07**
